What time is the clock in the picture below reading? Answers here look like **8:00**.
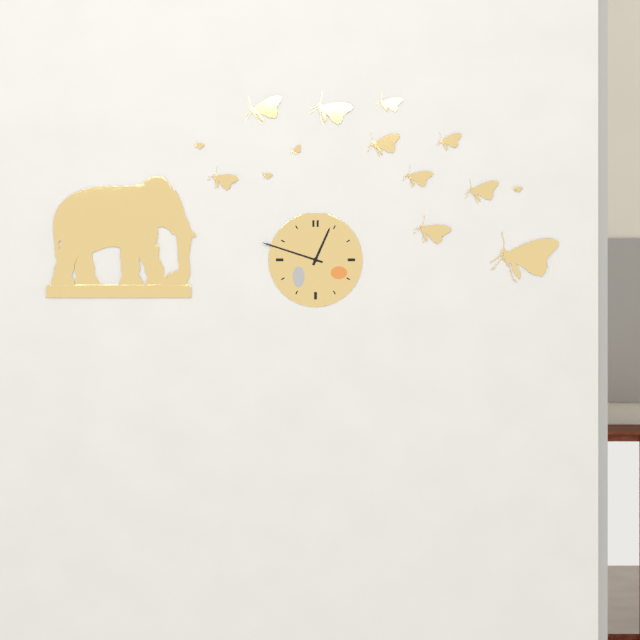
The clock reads **12:48**
